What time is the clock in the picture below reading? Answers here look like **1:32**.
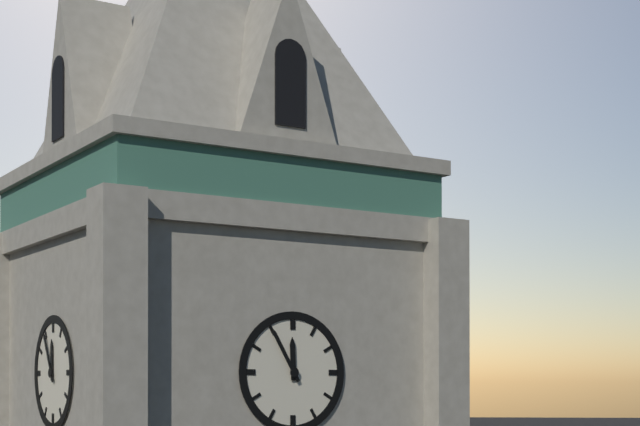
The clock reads **11:55**
